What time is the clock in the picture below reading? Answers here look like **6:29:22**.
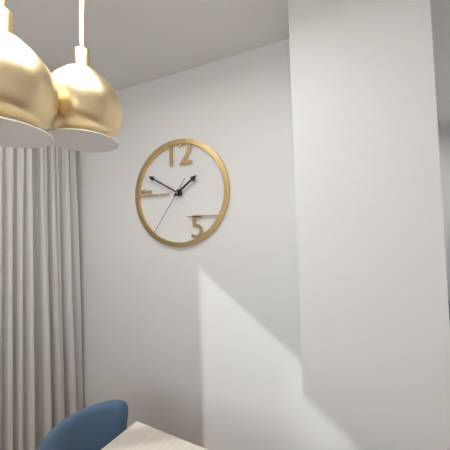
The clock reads **1:50:36**
